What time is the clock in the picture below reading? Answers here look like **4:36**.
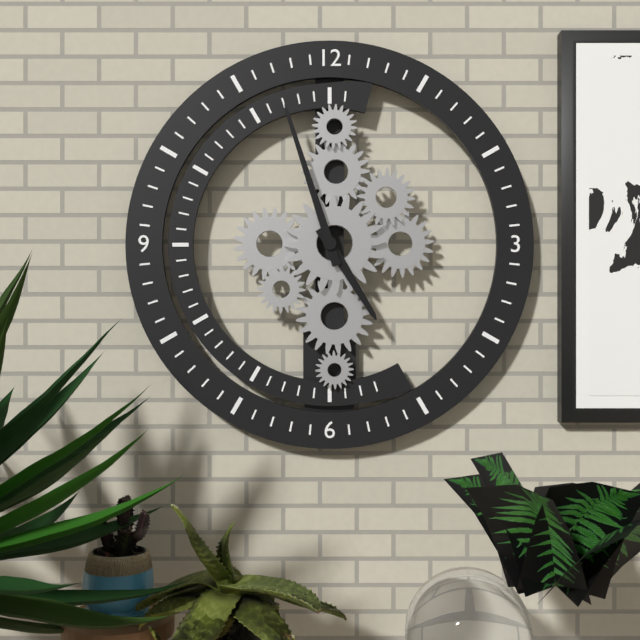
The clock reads **4:57**
